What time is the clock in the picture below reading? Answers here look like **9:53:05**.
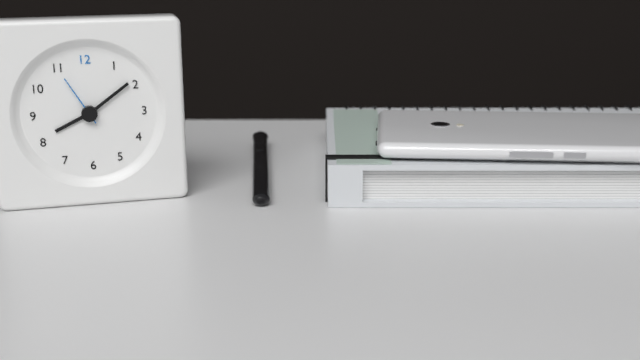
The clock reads **8:09:55**
